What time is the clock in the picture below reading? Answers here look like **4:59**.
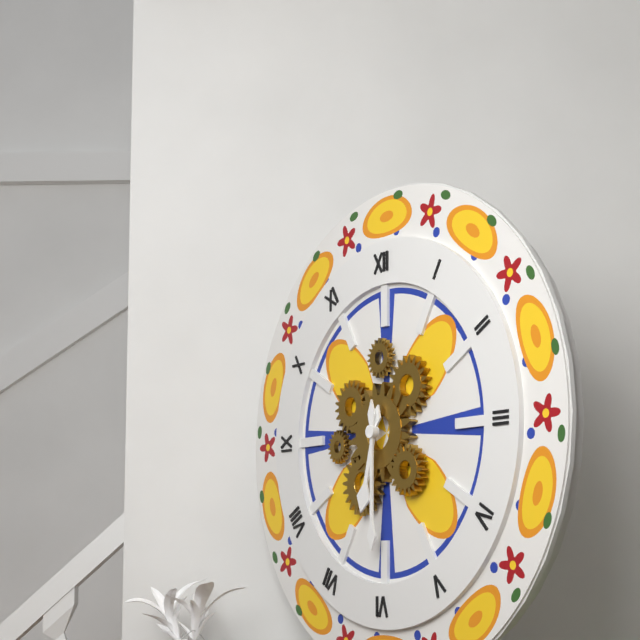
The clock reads **6:30**
